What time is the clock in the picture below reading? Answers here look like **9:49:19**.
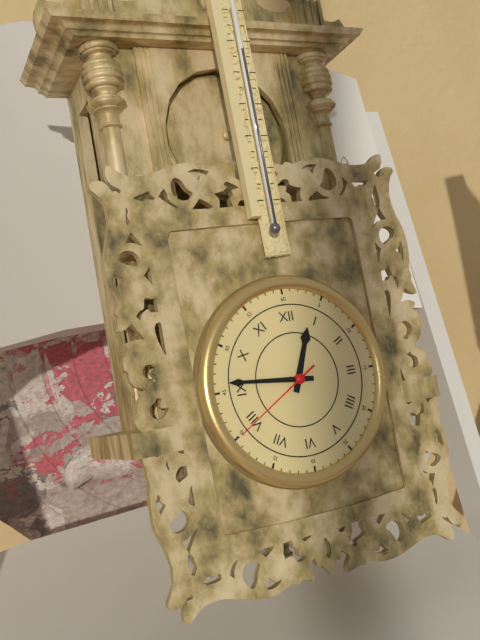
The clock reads **12:46:40**
